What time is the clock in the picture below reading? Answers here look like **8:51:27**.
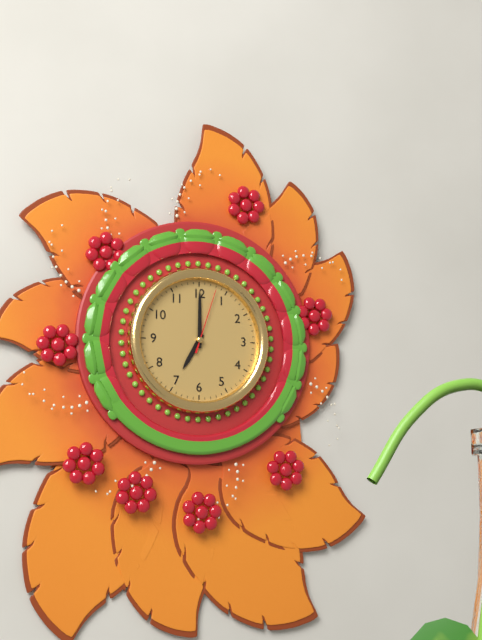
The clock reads **7:00:03**
